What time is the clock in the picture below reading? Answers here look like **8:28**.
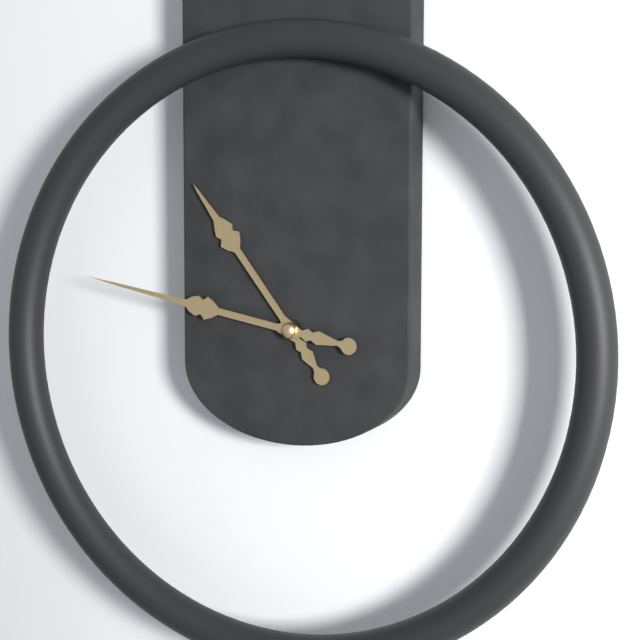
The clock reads **10:47**
